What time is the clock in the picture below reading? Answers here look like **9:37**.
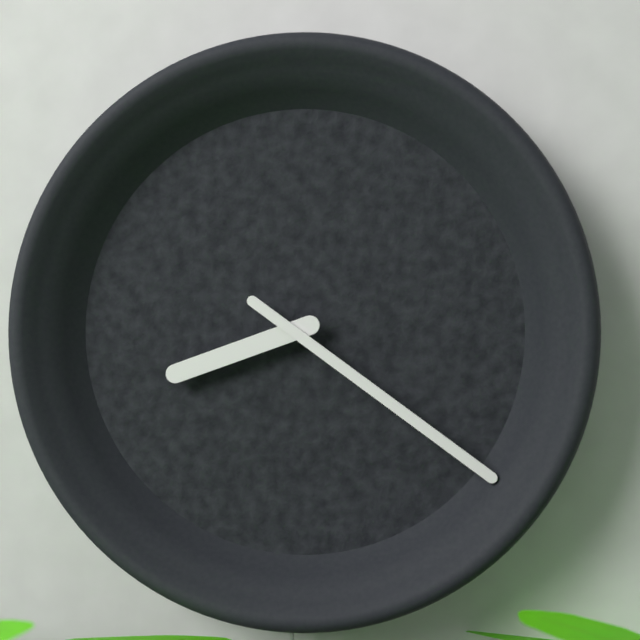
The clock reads **8:21**
